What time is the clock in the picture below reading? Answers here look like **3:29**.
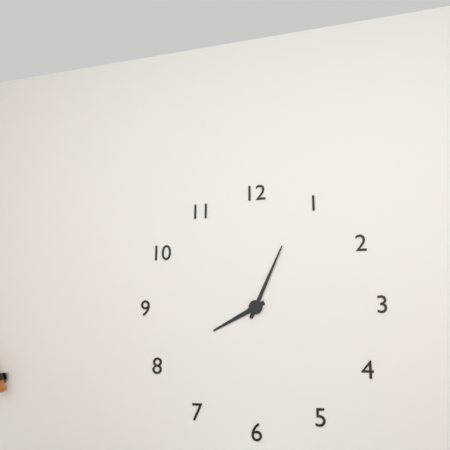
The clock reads **8:04**
